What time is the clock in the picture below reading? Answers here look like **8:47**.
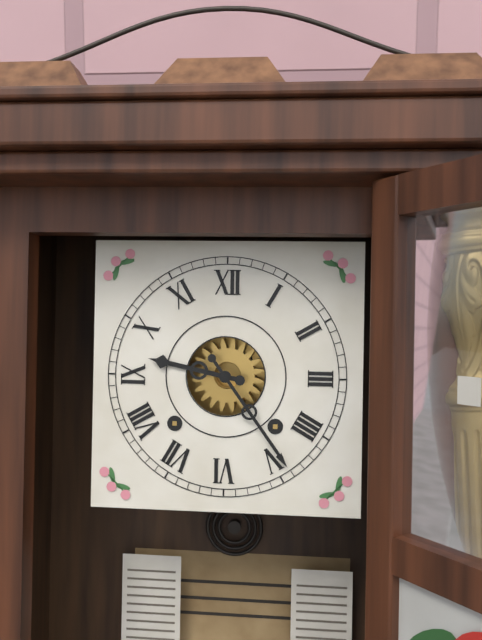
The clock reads **9:24**
